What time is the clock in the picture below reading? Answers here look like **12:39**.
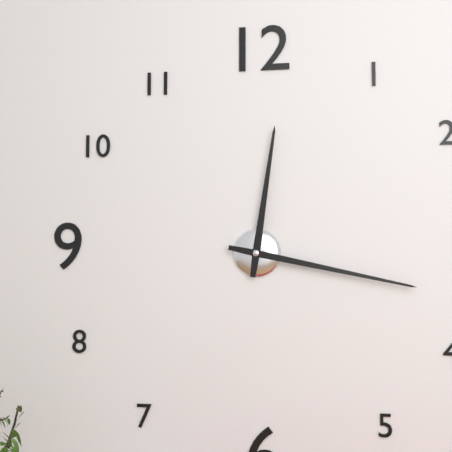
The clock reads **12:17**
